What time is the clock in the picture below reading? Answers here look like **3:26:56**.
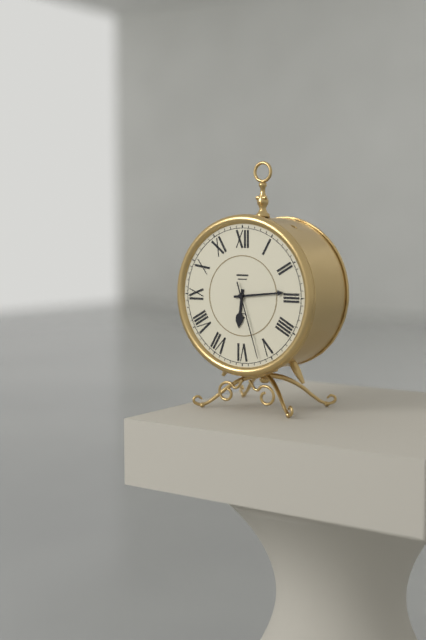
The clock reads **6:14:27**
